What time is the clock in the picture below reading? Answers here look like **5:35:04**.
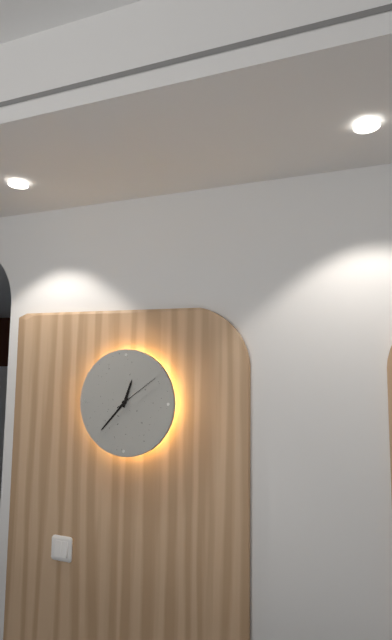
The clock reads **12:37:09**
